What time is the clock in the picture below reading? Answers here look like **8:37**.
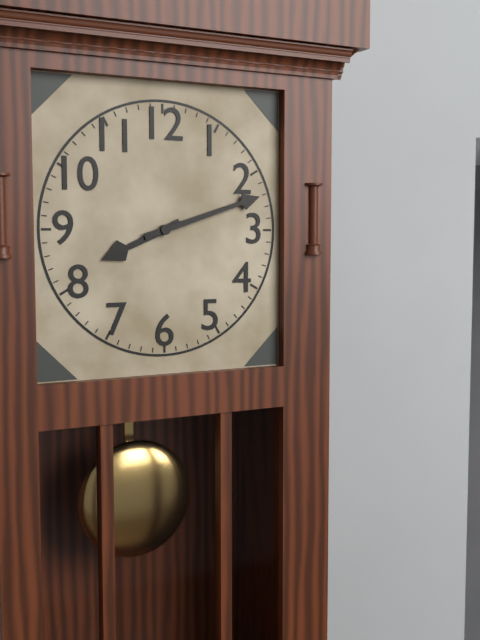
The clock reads **8:12**
